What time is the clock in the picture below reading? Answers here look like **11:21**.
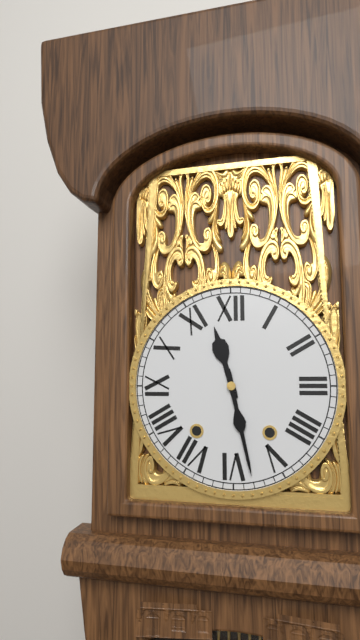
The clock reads **11:28**
